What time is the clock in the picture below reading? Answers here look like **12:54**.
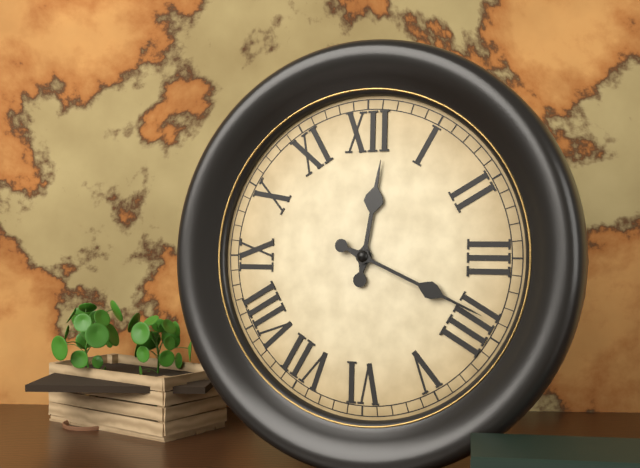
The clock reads **12:19**
